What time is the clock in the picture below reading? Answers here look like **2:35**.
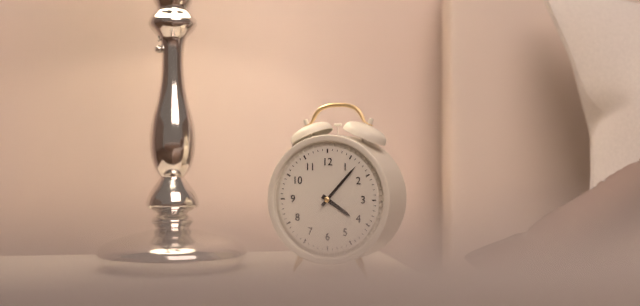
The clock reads **4:07**
